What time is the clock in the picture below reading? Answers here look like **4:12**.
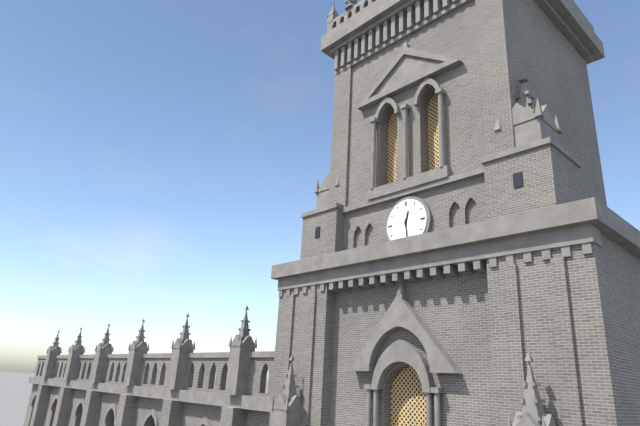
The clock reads **12:29**
